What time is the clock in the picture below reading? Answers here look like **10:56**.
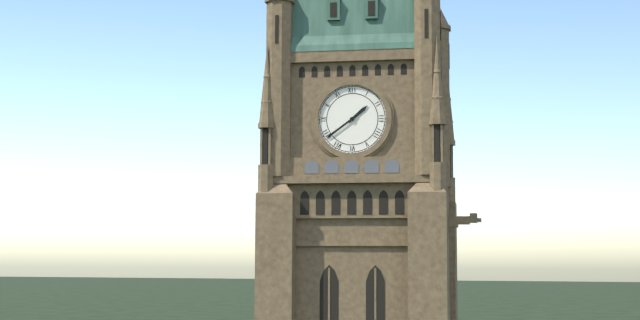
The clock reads **1:39**
